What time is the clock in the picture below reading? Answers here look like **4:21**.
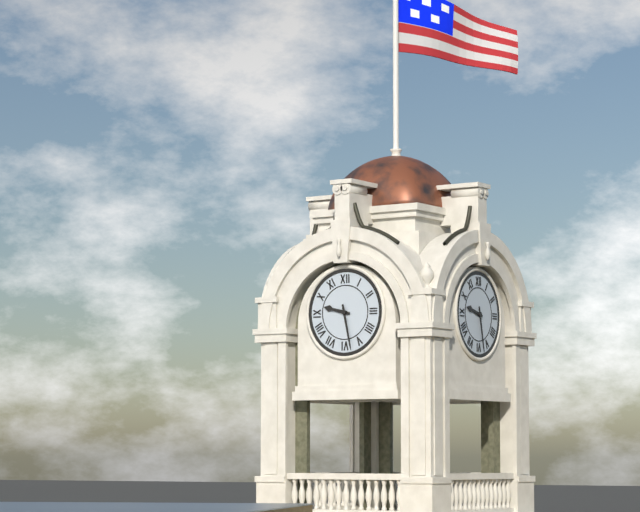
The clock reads **9:28**
